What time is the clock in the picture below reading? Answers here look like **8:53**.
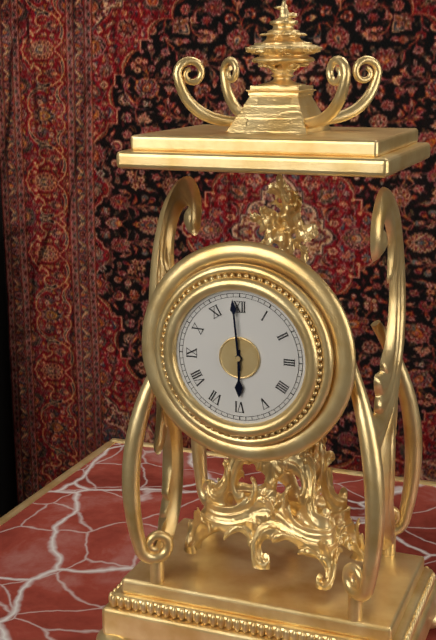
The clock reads **5:59**
